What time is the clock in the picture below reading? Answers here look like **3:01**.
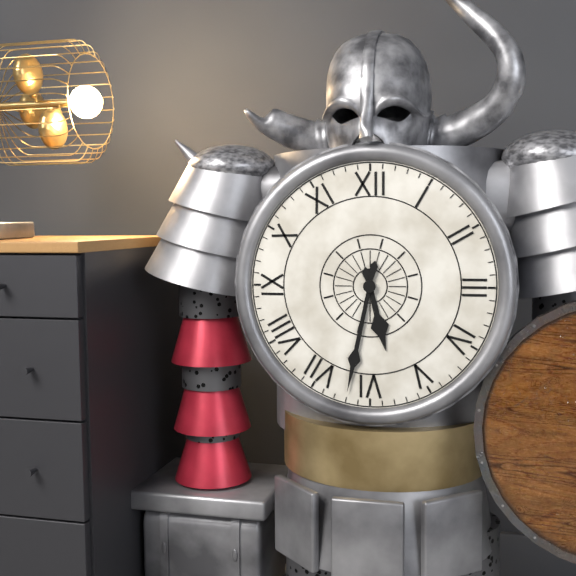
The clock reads **5:32**
